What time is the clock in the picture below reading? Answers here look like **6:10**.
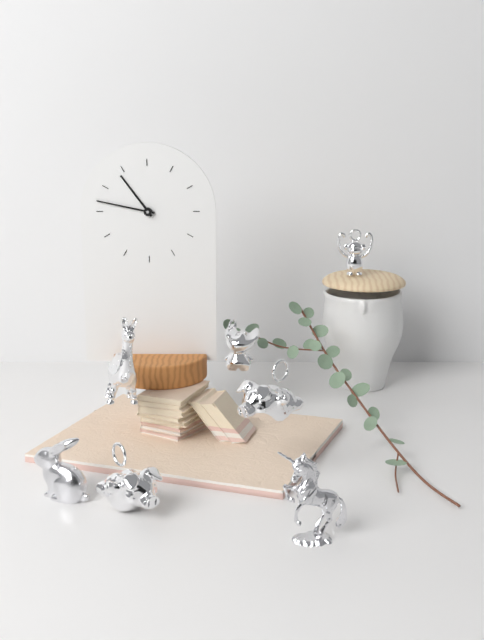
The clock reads **10:47**
